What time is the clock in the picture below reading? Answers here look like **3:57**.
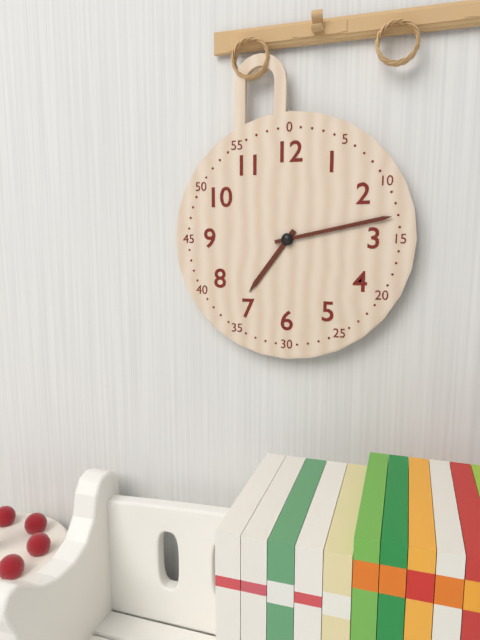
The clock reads **7:13**
